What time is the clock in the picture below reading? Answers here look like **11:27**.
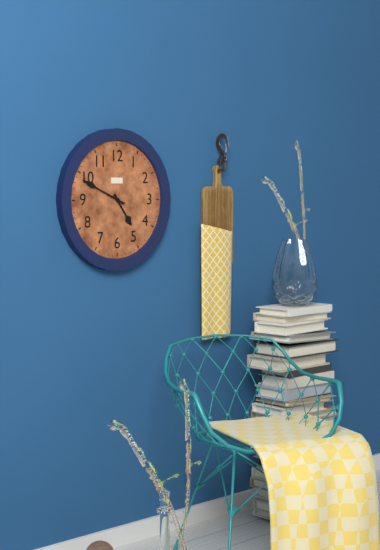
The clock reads **4:49**
